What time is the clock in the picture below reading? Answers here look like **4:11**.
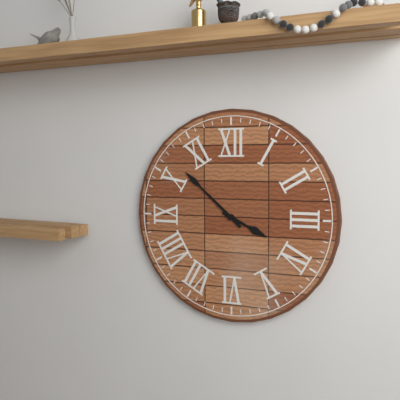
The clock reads **3:52**
